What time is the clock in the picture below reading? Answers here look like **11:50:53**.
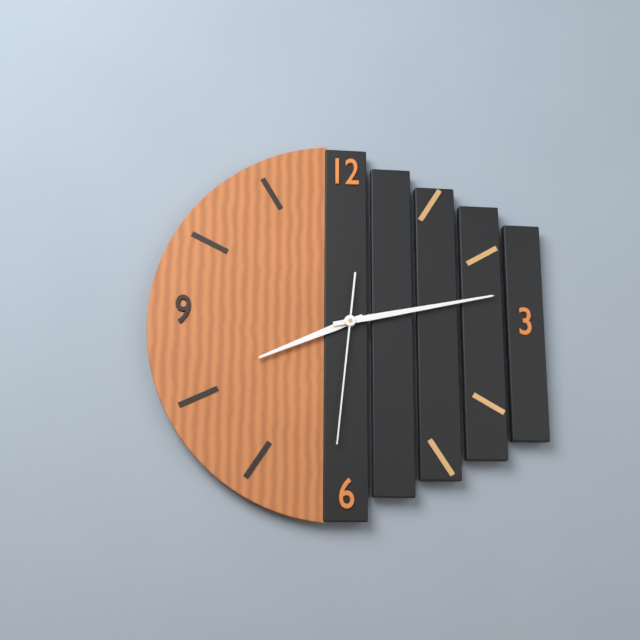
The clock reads **8:13:31**
